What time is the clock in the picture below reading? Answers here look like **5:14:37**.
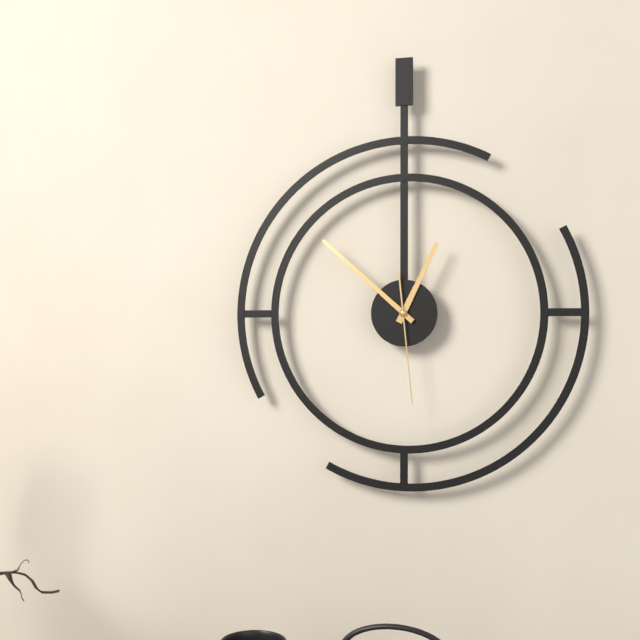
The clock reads **12:52:29**
